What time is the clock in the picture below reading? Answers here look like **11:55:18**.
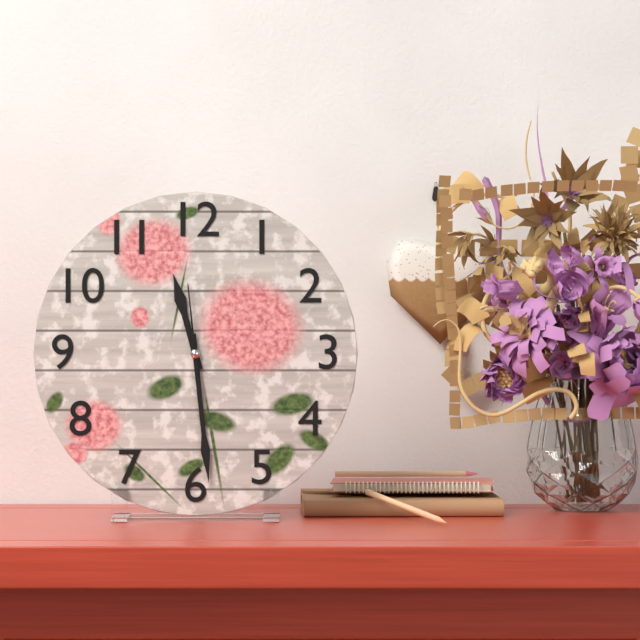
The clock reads **11:29:59**
